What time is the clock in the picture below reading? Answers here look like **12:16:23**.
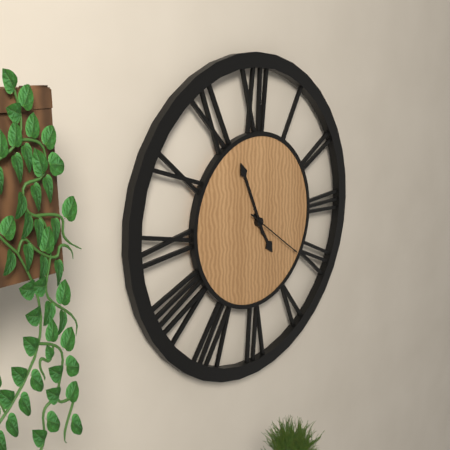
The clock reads **4:56:21**
